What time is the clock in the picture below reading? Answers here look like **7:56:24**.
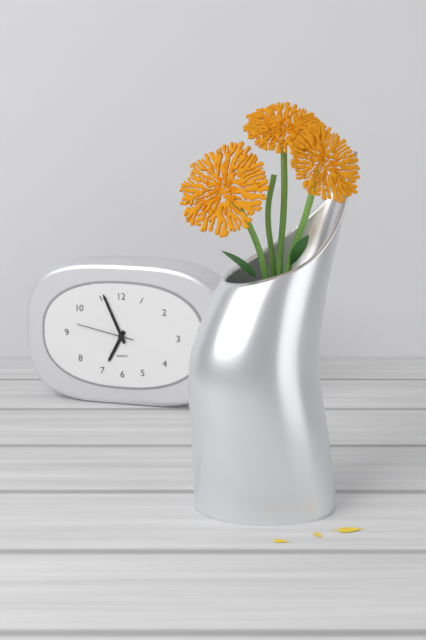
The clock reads **6:56:47**
